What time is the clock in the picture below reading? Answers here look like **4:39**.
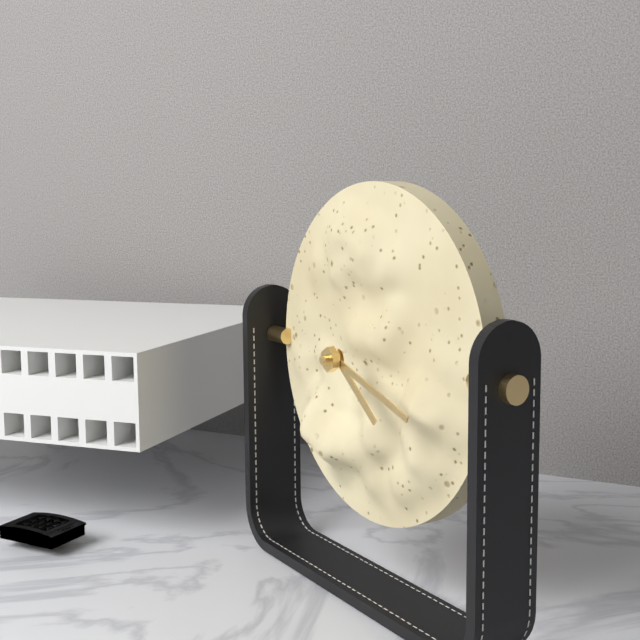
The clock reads **4:18**
